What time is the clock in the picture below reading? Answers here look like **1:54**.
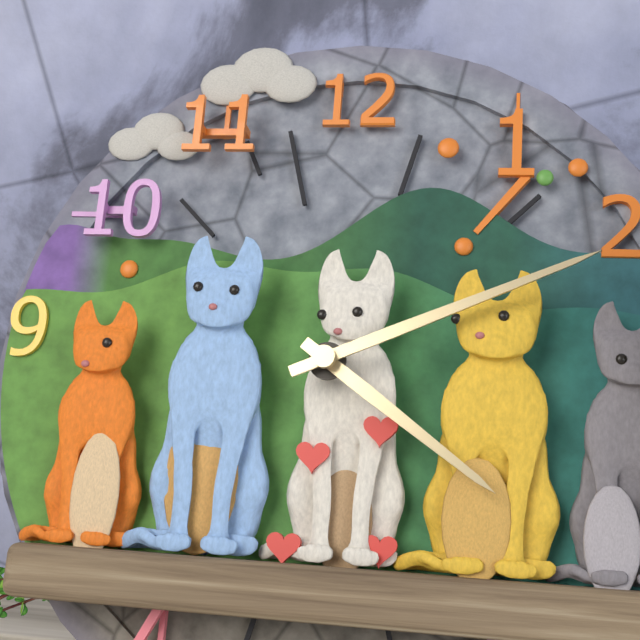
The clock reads **4:11**
